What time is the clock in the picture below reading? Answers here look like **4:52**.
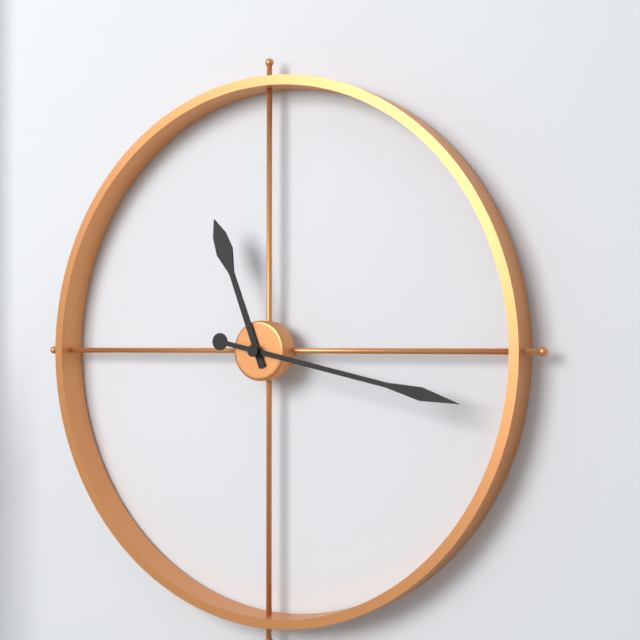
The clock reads **11:17**
